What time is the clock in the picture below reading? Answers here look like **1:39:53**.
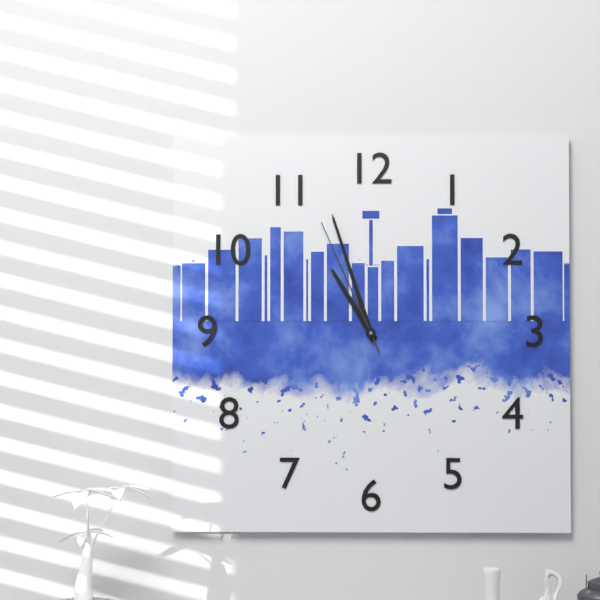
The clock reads **10:57:56**
